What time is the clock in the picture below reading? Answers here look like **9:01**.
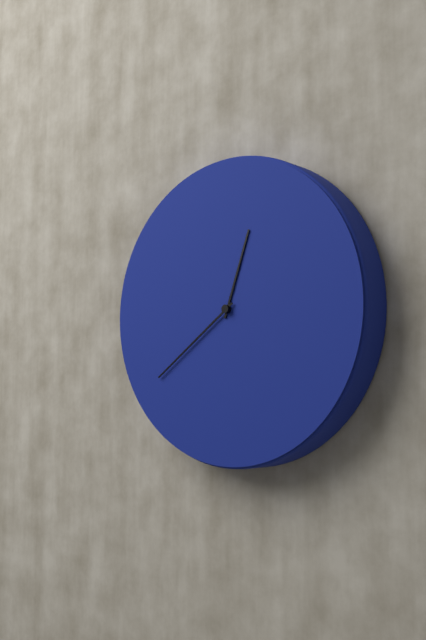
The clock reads **12:39**
